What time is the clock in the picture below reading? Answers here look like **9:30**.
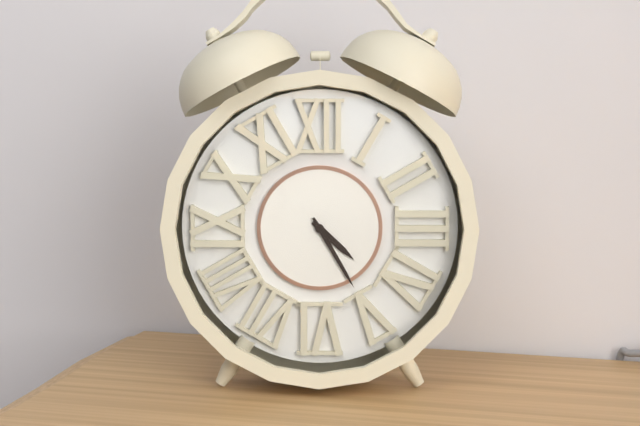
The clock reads **4:25**
